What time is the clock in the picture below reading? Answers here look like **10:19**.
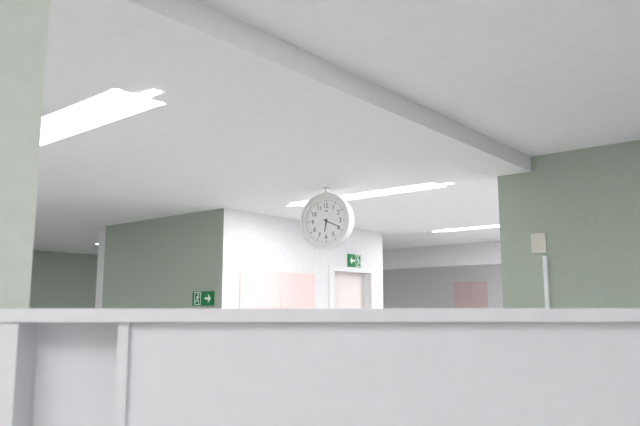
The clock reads **6:19**
